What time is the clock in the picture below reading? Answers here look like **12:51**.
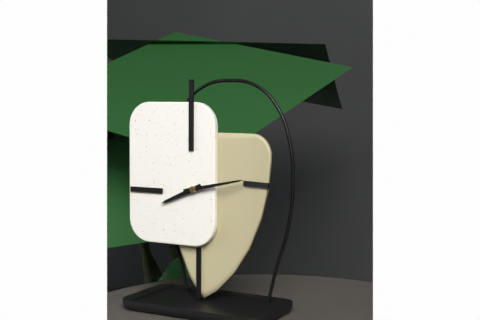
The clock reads **8:13**
